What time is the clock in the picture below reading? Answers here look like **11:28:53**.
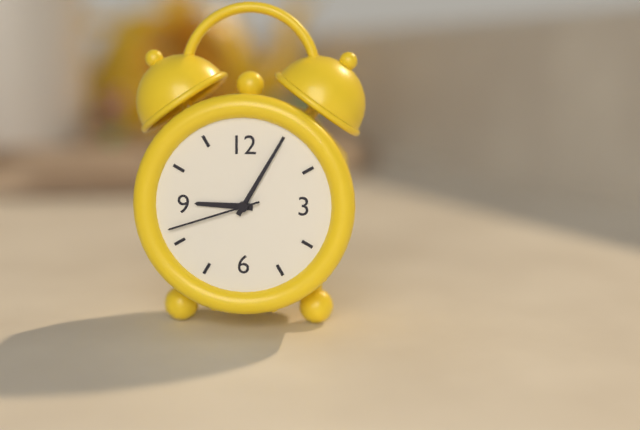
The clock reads **9:05:42**
